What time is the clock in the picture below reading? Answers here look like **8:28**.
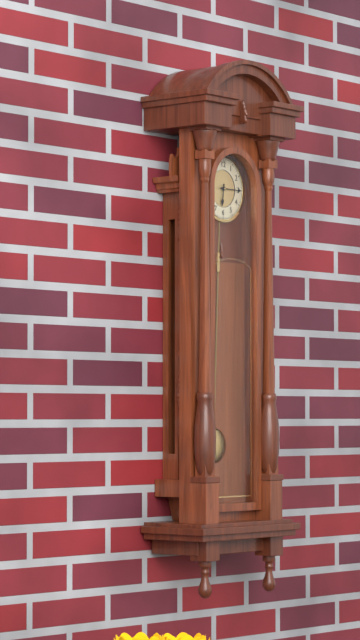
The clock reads **6:15**
